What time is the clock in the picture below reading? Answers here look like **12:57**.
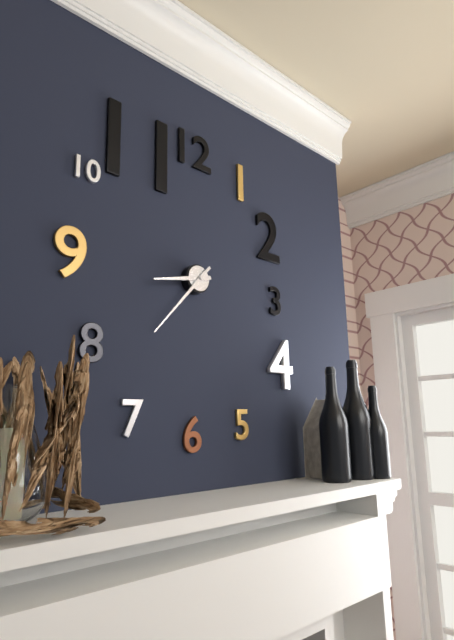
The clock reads **8:37**
